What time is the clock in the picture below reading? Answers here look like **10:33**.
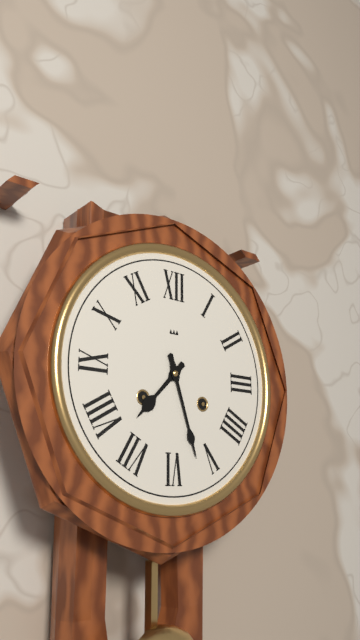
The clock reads **7:27**
